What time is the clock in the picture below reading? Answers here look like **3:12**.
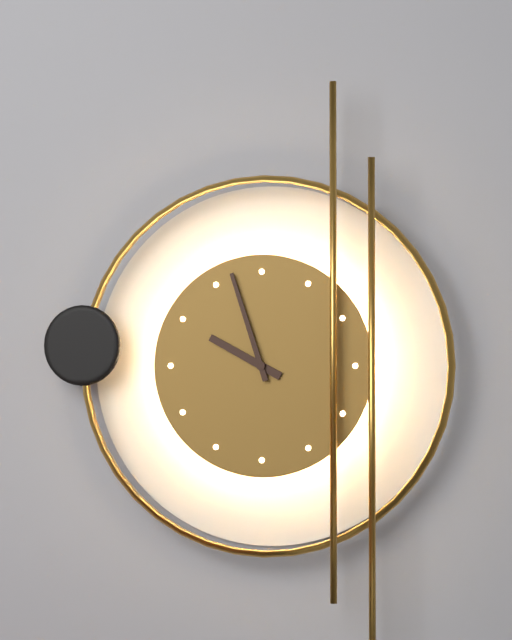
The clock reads **9:57**
